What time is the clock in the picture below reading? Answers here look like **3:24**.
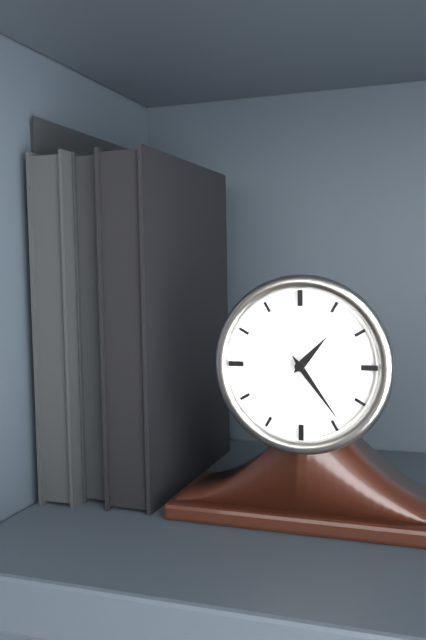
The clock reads **1:24**
